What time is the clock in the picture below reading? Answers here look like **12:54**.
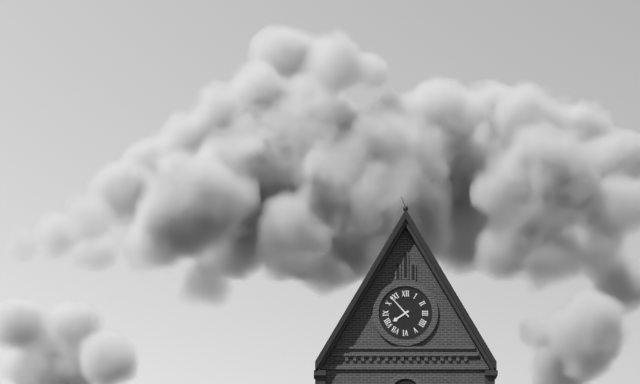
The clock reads **7:53**
